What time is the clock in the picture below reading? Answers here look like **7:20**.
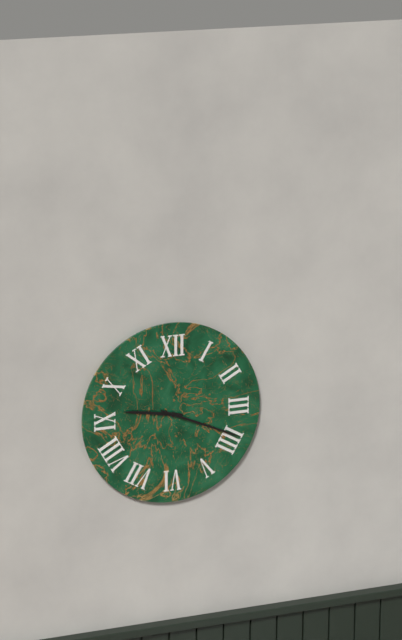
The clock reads **9:19**
